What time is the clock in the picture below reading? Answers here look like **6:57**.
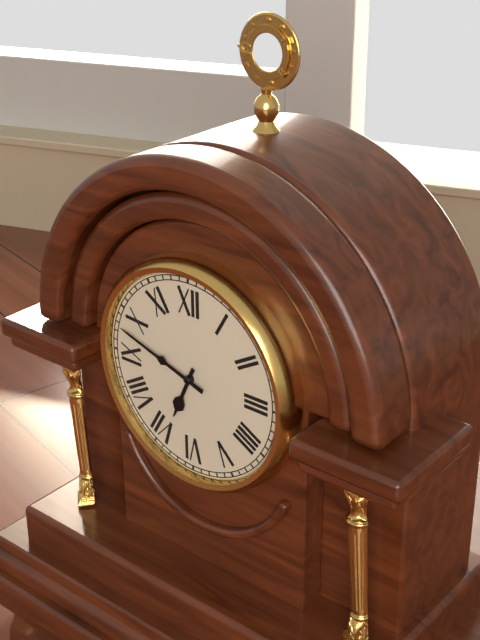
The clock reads **6:48**
